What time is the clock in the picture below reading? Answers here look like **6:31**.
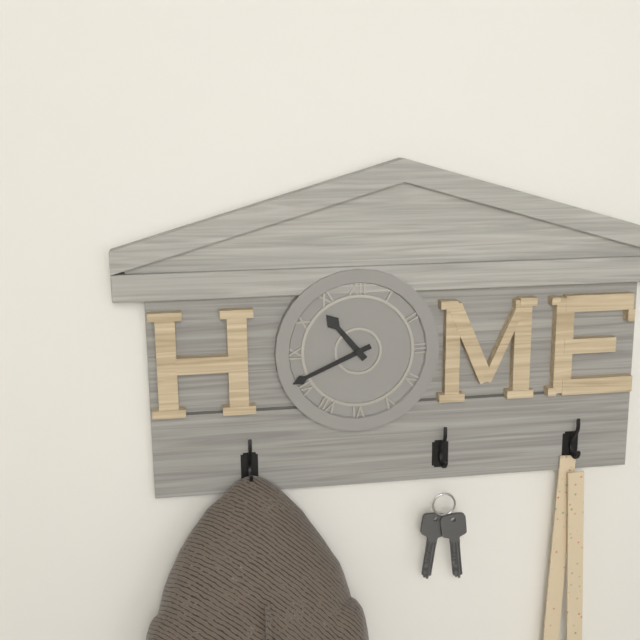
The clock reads **10:41**
